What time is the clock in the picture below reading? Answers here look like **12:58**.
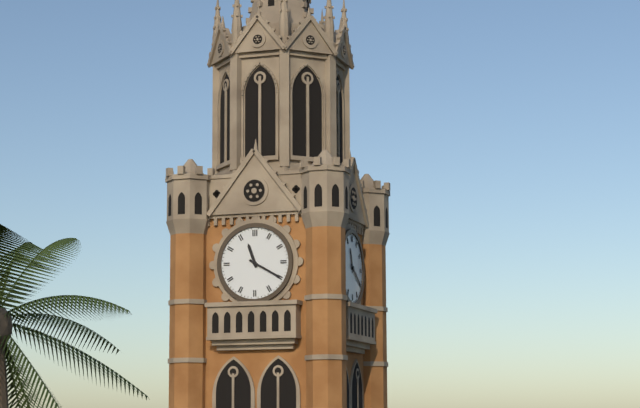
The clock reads **11:20**
